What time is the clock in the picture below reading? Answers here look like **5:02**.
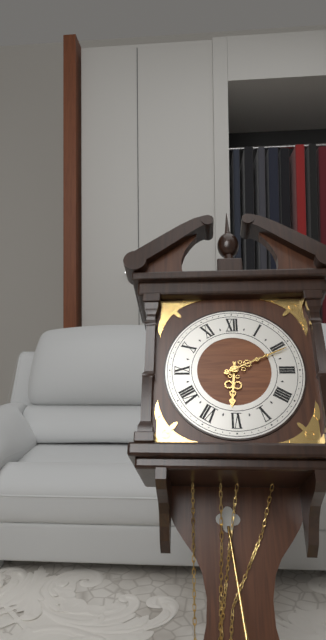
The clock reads **6:11**
